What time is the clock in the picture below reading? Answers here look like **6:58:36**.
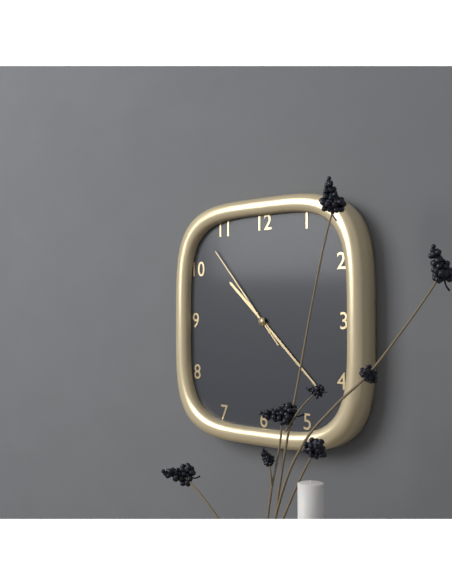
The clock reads **10:22:53**
